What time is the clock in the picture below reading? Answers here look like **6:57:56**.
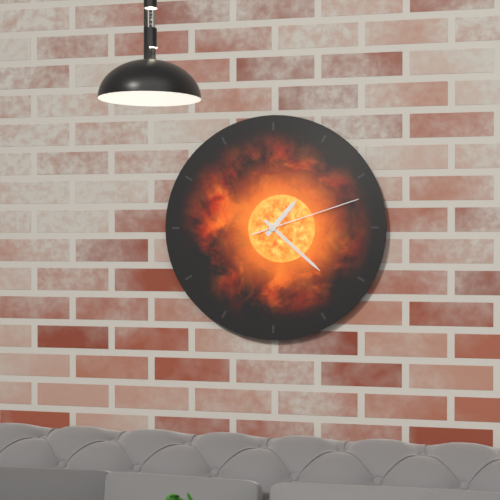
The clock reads **1:22:12**
